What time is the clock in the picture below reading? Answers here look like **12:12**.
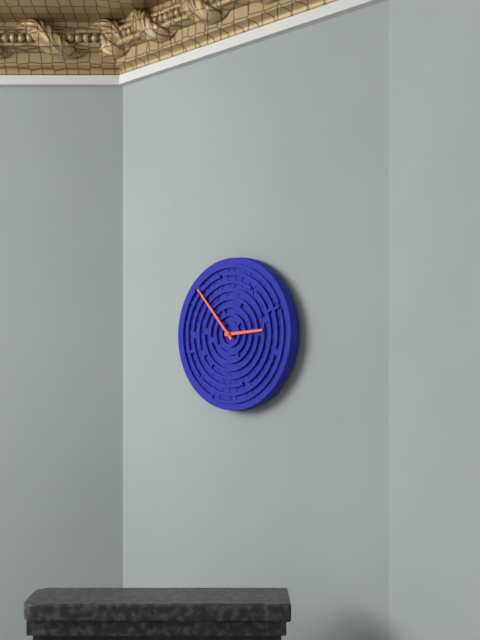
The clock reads **2:53**
